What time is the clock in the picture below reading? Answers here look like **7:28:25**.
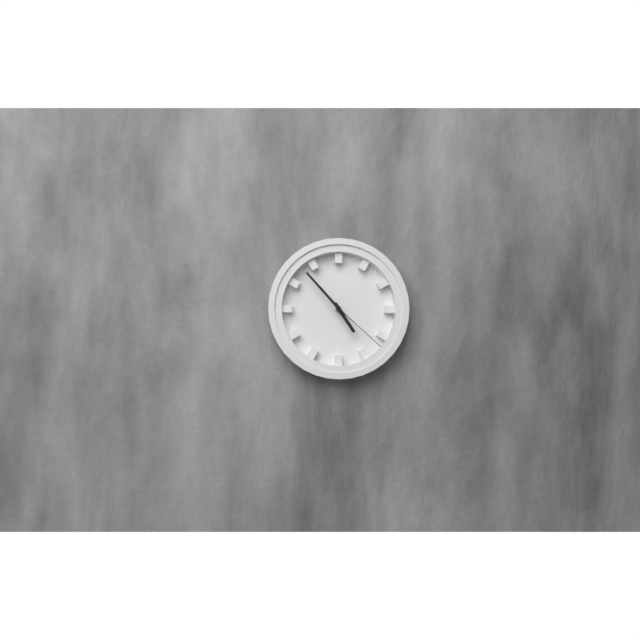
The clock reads **4:53:22**
